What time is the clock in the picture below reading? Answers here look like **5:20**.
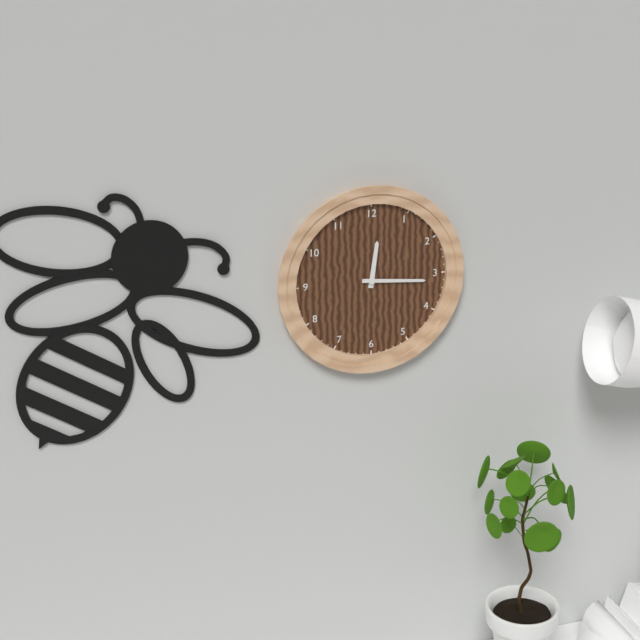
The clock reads **12:16**
